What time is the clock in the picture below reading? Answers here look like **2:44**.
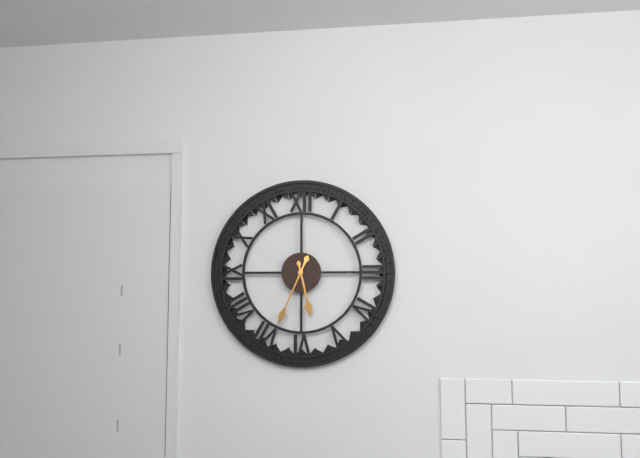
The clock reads **5:34**
